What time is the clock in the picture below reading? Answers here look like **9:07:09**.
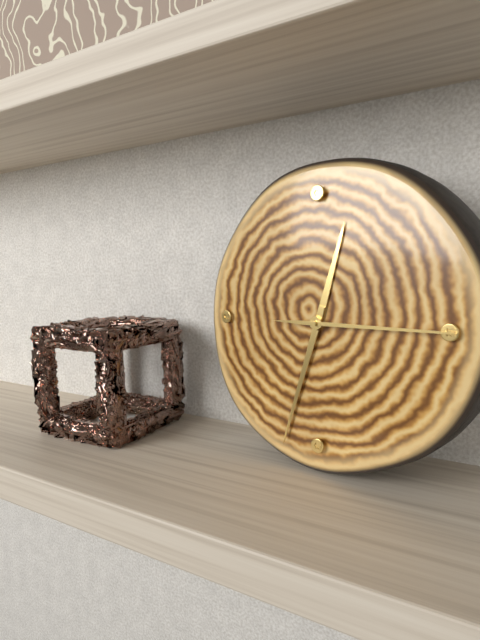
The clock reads **12:33:15**
